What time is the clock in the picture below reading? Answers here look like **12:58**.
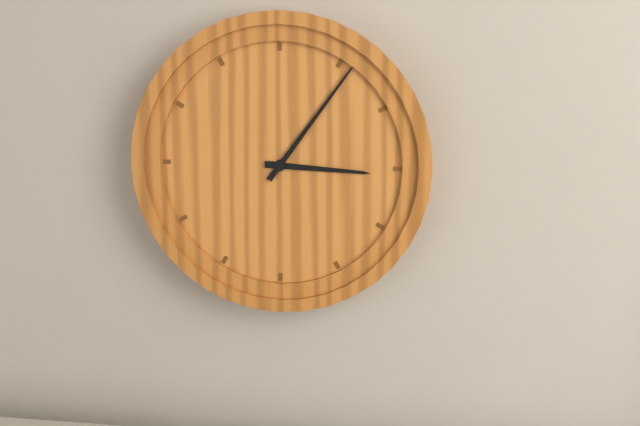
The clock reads **3:06**
